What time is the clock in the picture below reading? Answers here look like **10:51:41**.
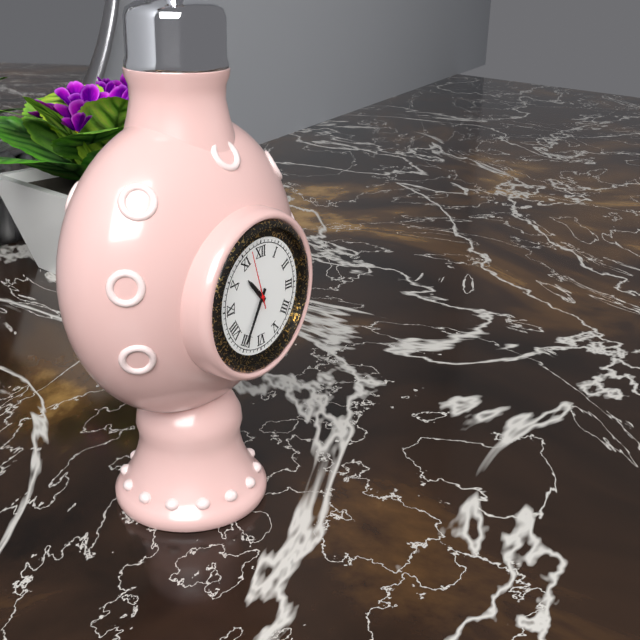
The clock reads **10:35:57**
